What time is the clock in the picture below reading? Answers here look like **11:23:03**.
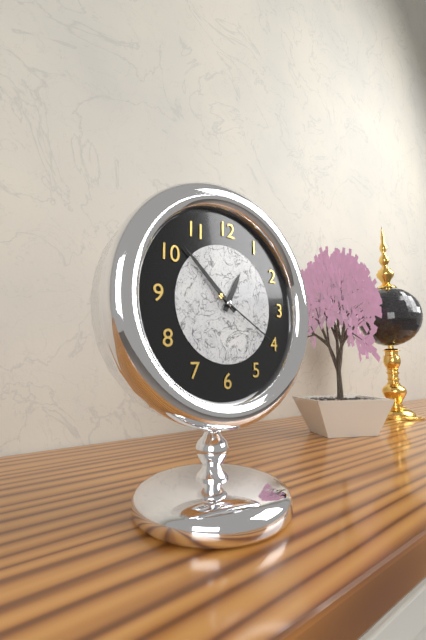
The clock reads **12:52:20**
